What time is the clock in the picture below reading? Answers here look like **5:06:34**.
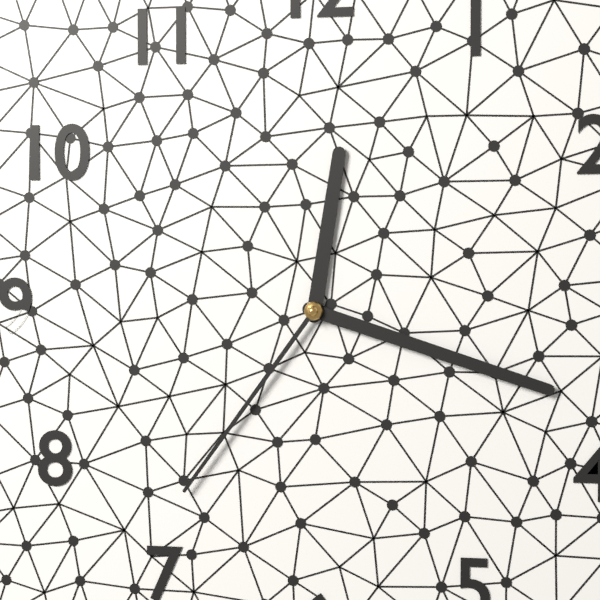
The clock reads **12:18:36**
